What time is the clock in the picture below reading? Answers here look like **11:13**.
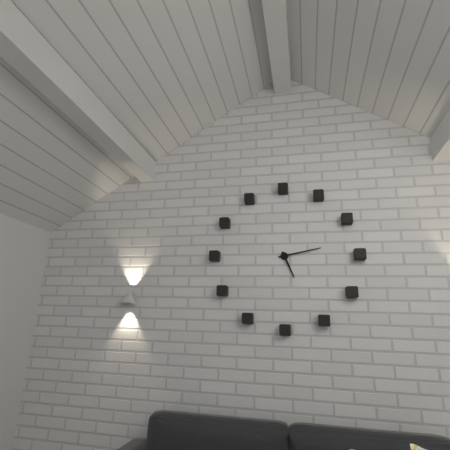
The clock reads **5:13**
